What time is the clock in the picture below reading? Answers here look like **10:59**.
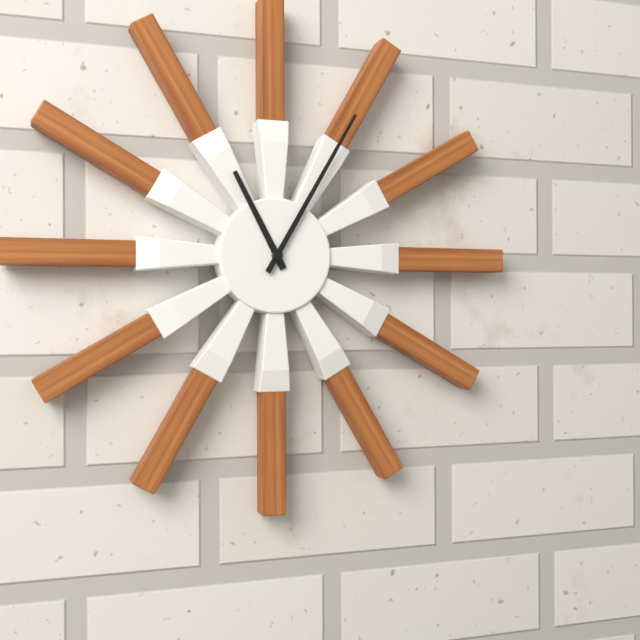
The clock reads **11:05**
